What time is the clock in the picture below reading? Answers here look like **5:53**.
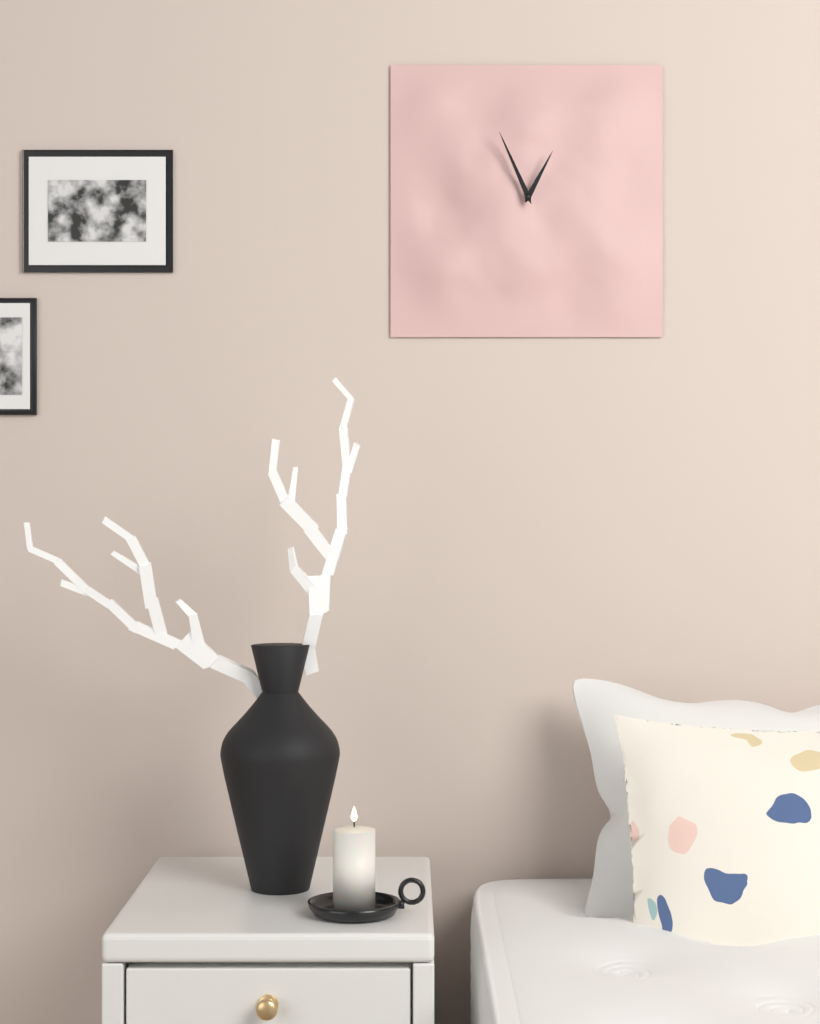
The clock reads **12:56**
